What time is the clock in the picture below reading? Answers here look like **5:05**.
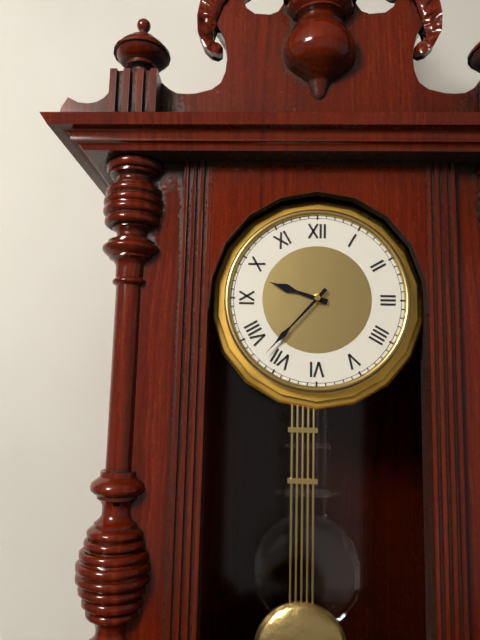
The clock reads **9:37**
